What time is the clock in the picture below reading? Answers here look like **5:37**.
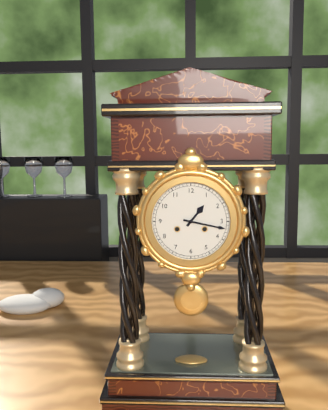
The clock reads **1:17**
